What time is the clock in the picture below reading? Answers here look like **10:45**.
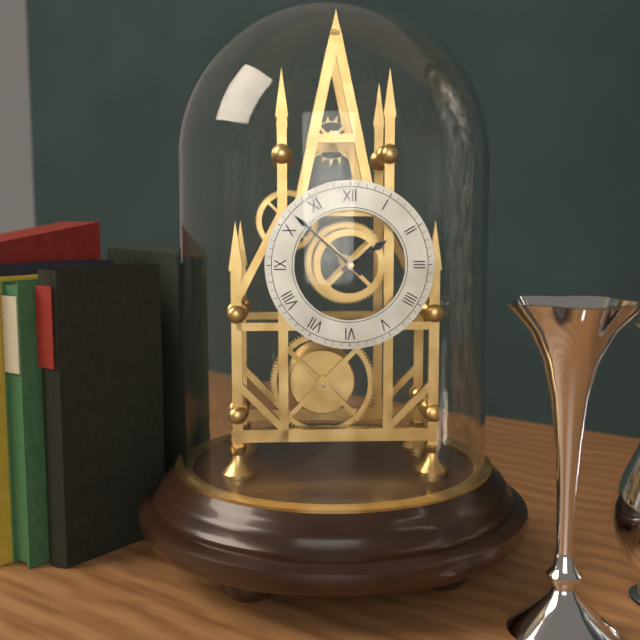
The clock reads **1:52**
